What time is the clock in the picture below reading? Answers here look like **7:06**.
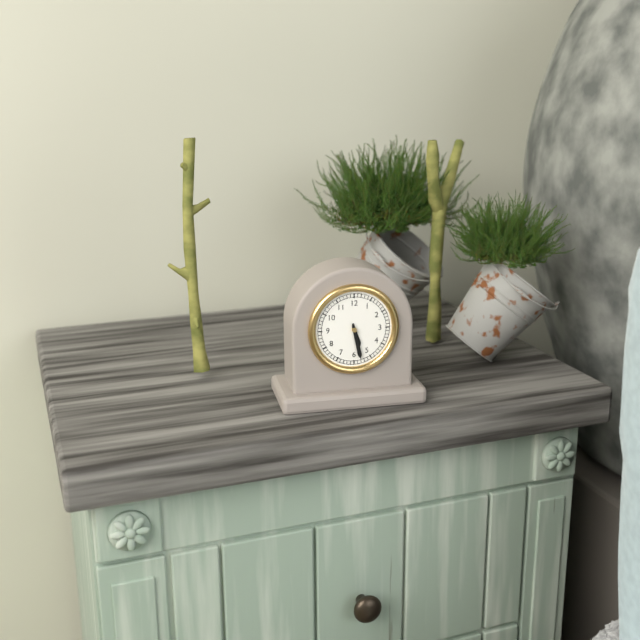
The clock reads **5:28**
